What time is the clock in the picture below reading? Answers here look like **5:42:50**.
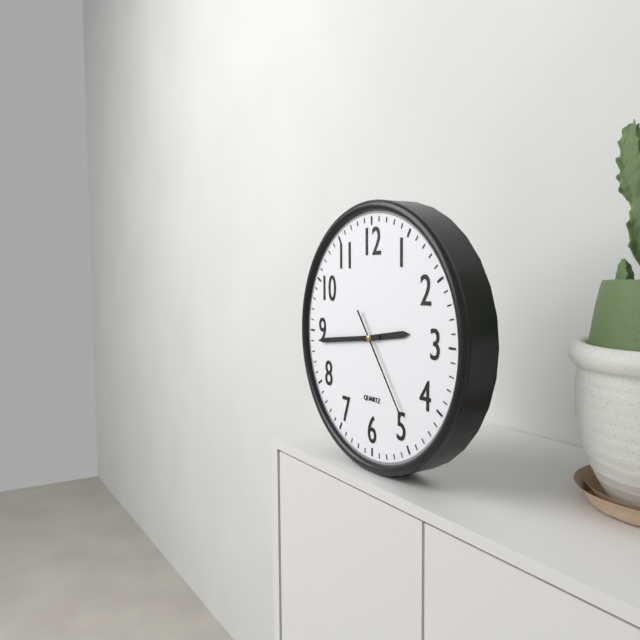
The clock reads **2:44:24**
